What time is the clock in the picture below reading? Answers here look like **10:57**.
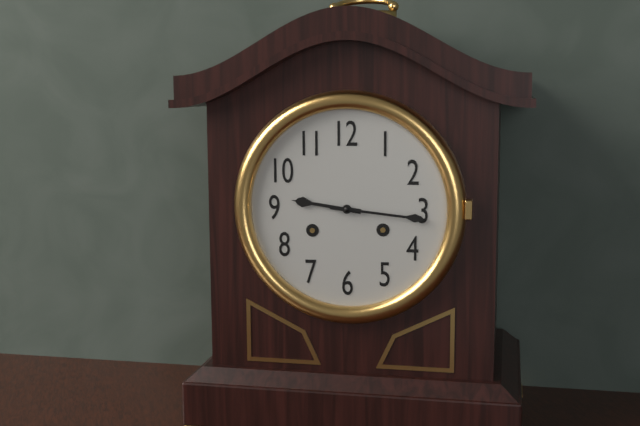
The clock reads **9:16**
